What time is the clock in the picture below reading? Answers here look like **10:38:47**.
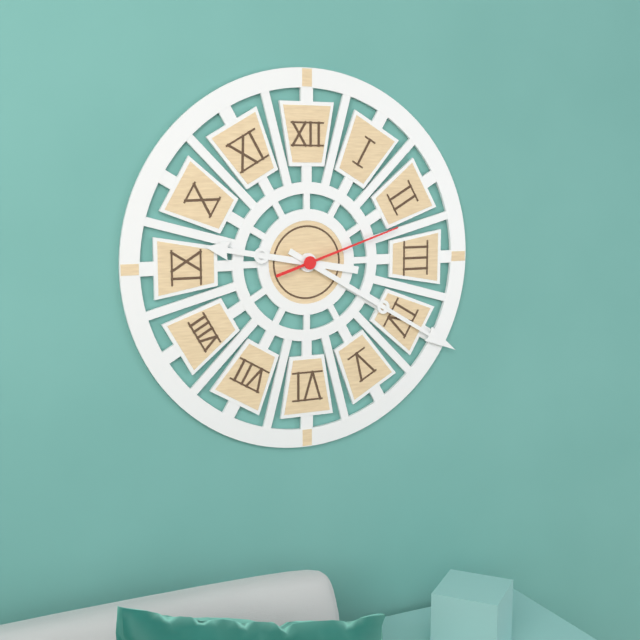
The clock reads **9:20:12**
